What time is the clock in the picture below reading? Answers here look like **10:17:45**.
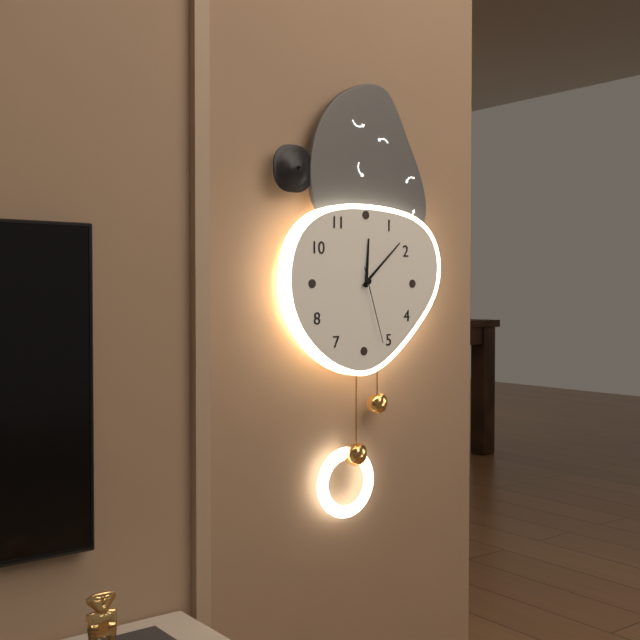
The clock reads **12:08:27**
